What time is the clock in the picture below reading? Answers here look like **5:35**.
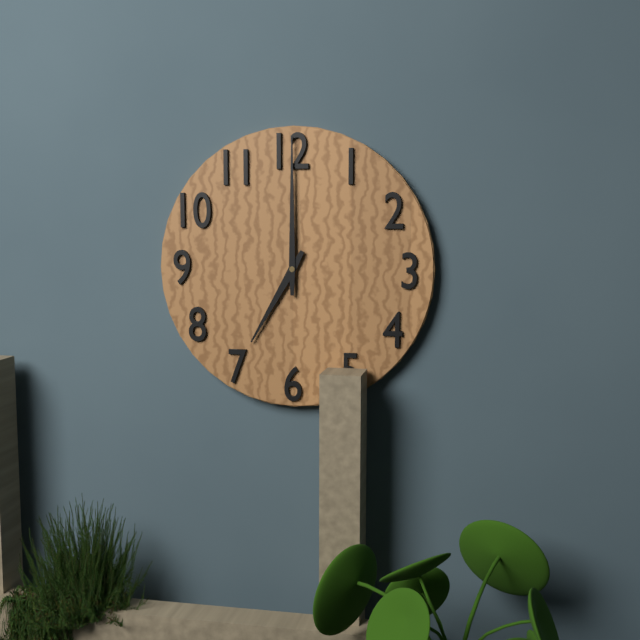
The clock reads **7:00**
